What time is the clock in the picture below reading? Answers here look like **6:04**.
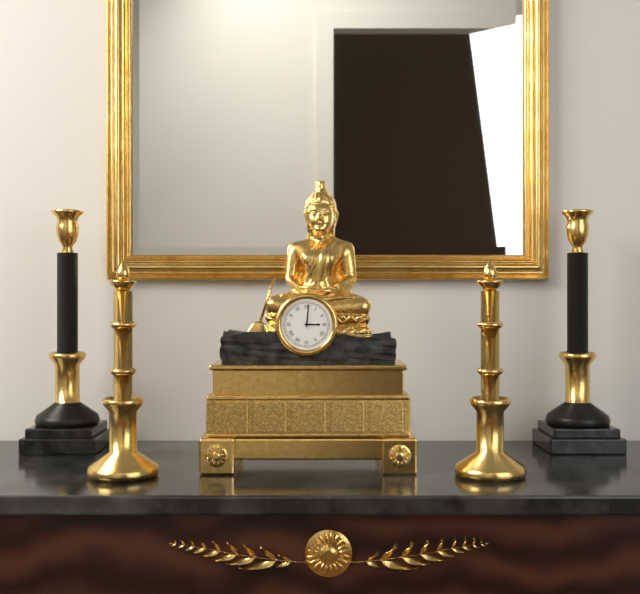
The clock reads **3:01**
